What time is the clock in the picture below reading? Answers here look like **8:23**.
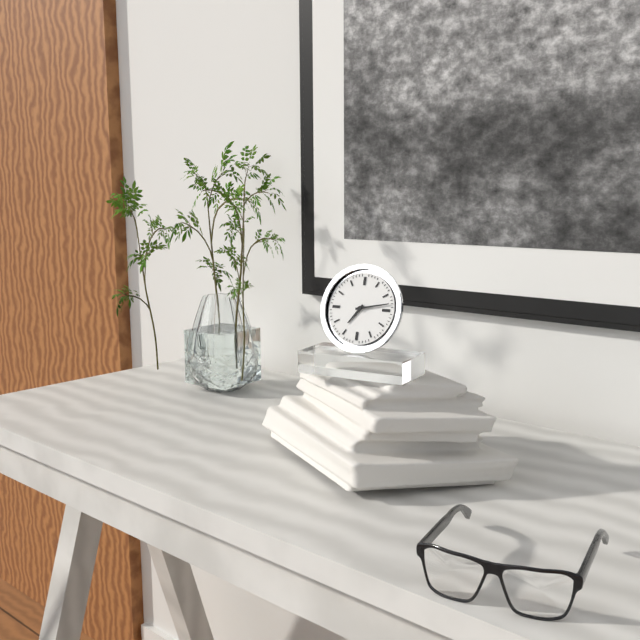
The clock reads **7:13**
